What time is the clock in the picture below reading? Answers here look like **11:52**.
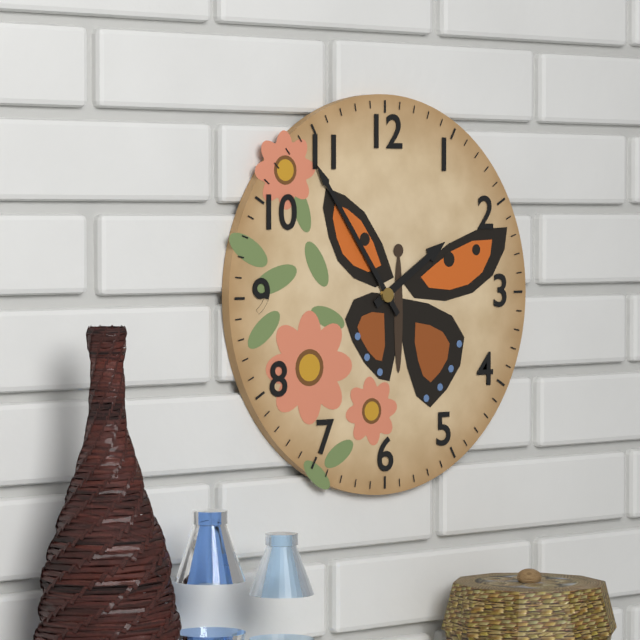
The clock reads **1:54**
